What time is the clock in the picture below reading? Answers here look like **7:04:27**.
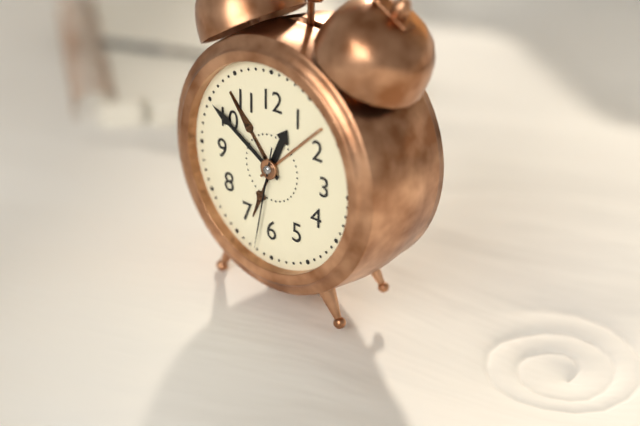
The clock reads **12:50:32**
